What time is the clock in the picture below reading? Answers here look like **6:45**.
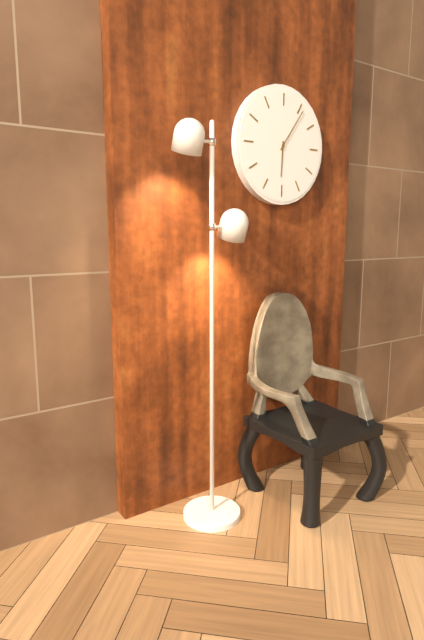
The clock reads **6:06**
